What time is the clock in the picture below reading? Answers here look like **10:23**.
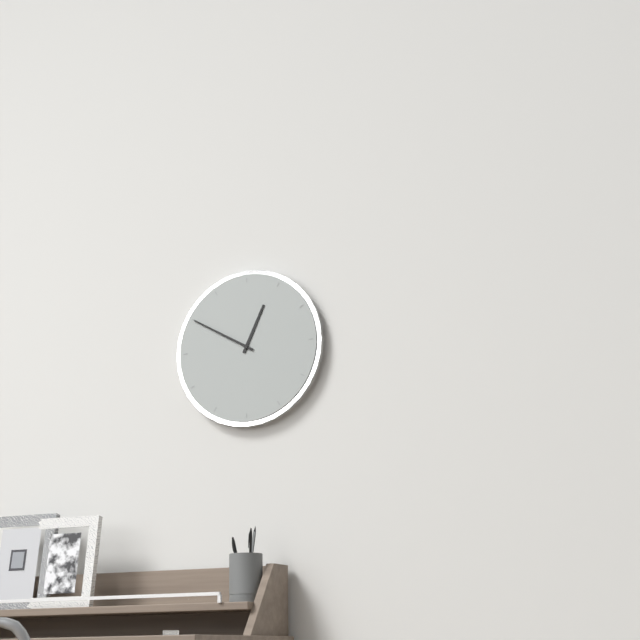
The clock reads **12:50**
